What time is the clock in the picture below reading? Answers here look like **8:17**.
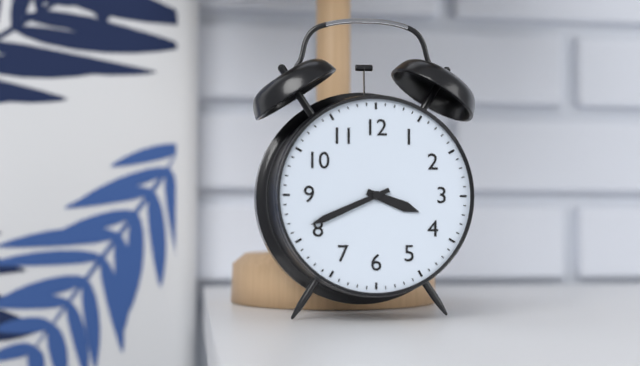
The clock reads **3:41**
